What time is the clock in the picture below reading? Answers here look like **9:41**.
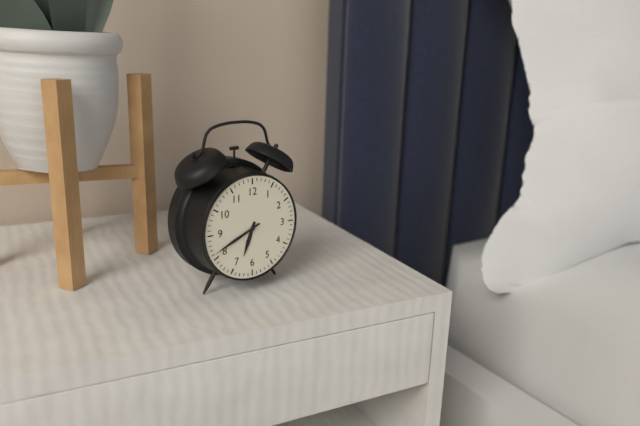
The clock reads **6:41**
